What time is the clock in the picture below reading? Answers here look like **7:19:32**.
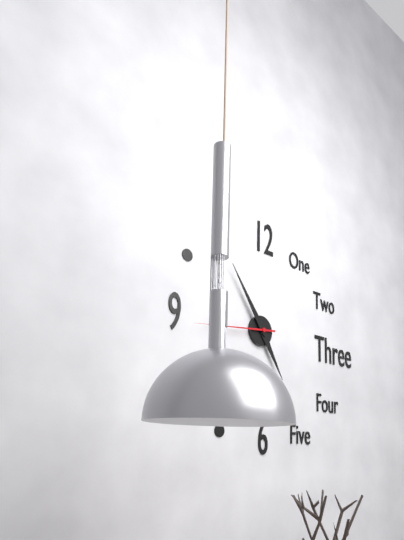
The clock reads **4:54:44**
